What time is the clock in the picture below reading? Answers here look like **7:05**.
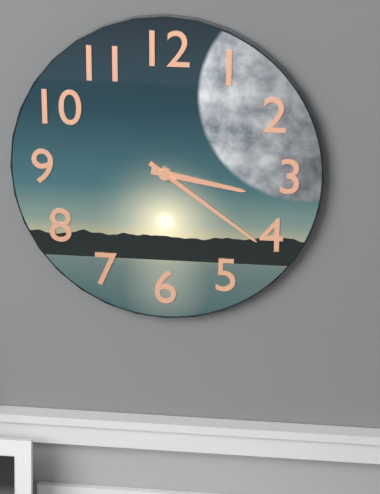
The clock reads **3:21**
